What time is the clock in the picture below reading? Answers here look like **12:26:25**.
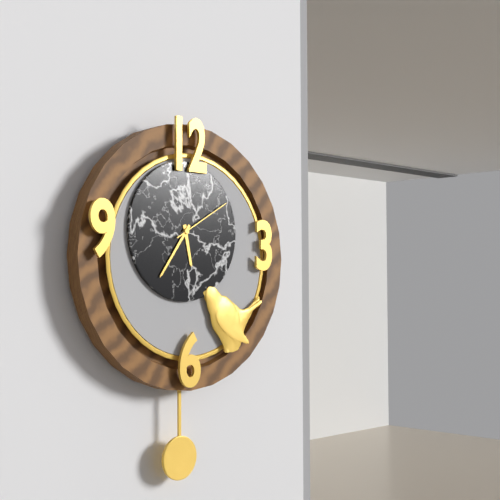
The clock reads **5:36:10**
